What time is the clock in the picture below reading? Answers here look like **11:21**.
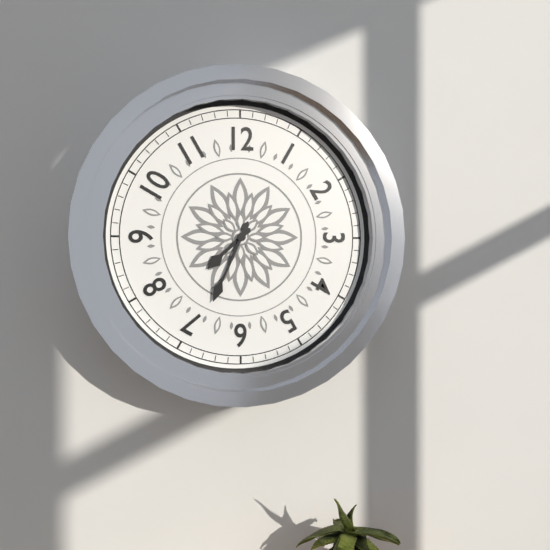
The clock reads **7:34**
